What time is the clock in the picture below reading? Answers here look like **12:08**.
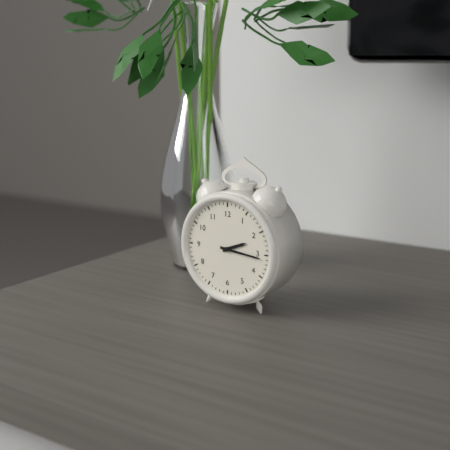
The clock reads **2:16**
